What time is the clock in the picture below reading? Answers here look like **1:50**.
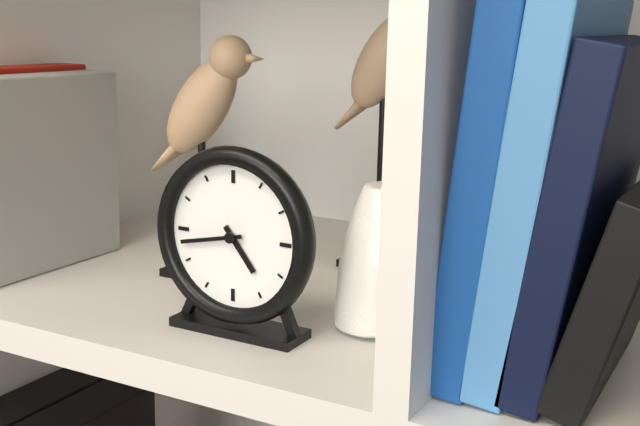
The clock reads **4:43**
